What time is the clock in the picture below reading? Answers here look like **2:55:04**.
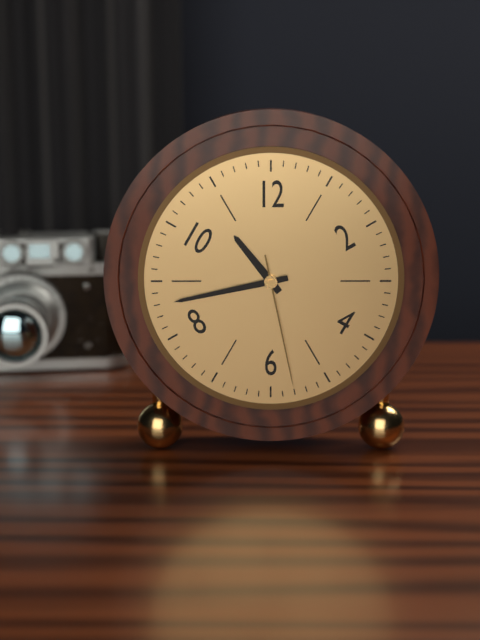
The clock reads **10:43:28**
